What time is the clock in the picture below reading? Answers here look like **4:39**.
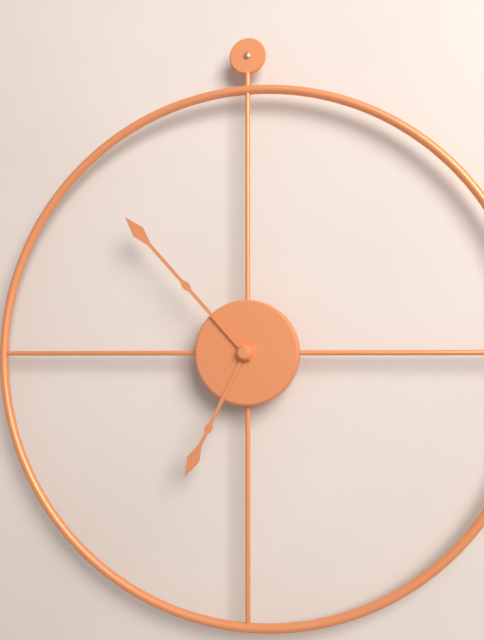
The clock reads **6:53**
